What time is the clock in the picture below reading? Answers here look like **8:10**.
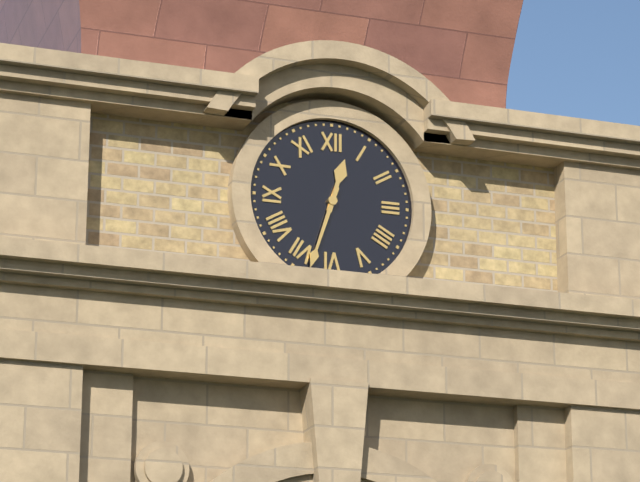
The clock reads **12:33**
